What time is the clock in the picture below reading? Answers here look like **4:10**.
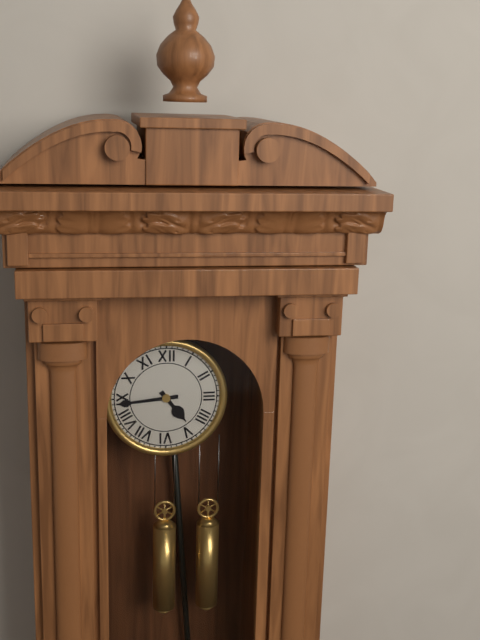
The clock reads **4:44**
